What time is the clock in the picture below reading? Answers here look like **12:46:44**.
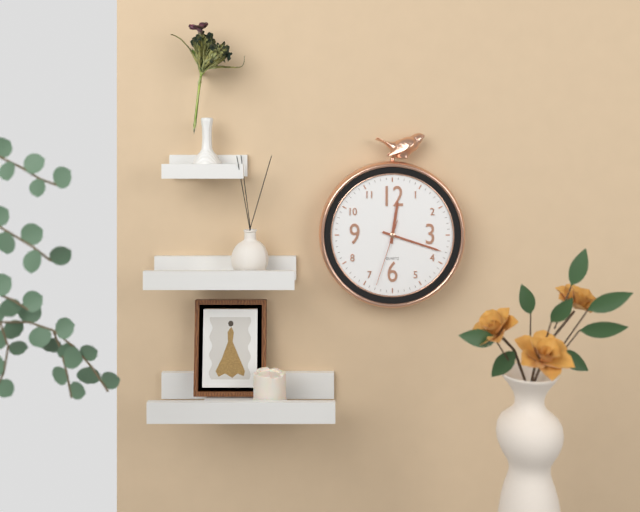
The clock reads **12:18:33**
